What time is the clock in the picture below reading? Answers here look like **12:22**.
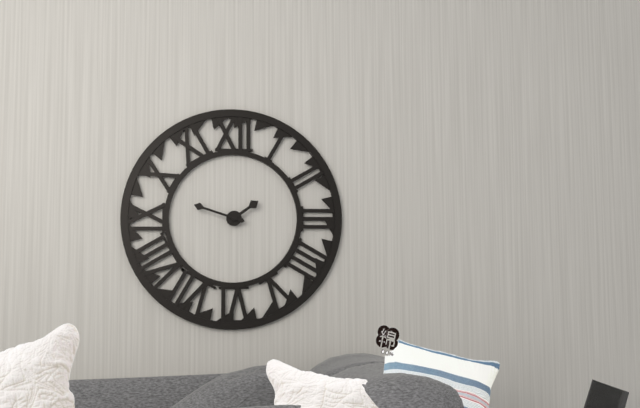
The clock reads **1:48**
